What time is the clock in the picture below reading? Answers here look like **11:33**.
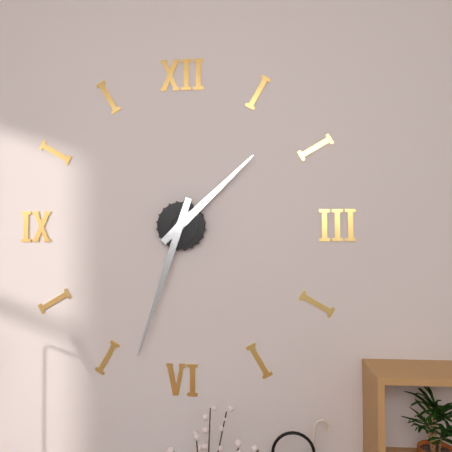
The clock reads **1:33**
